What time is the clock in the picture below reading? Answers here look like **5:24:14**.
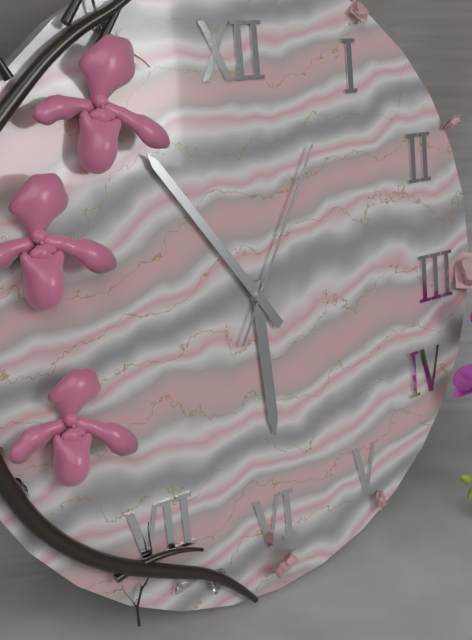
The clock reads **5:54:05**
